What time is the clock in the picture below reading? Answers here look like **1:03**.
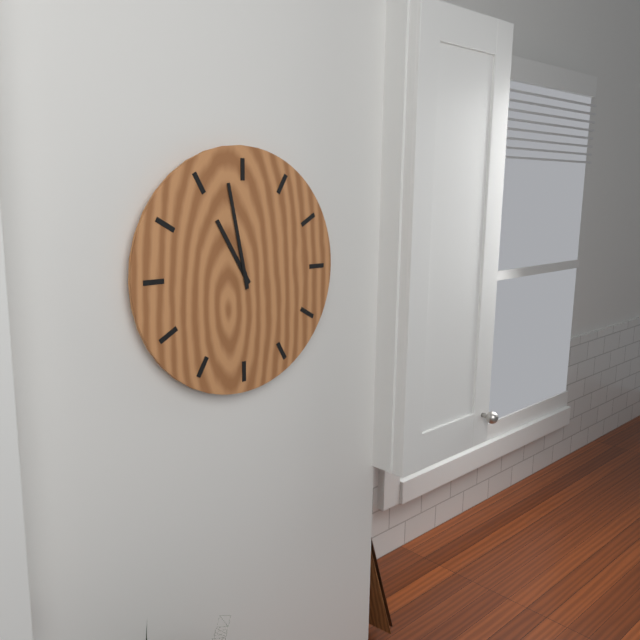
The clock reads **10:58**
